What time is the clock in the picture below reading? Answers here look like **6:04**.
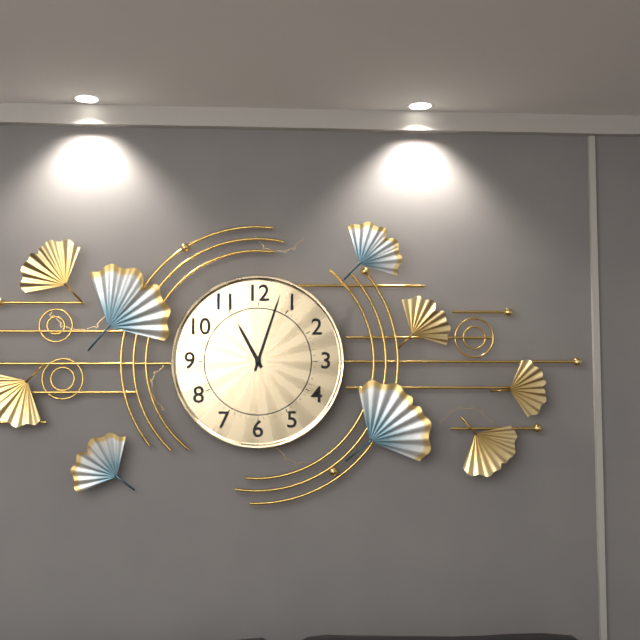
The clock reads **11:03**
